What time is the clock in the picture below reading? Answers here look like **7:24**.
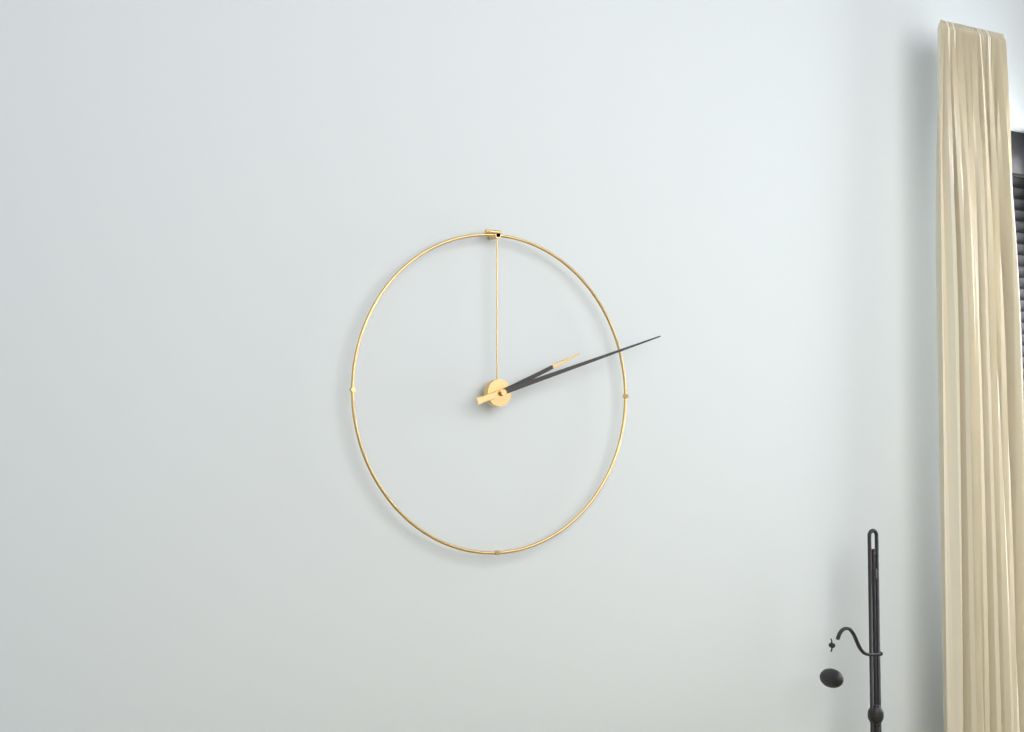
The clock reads **2:12**
